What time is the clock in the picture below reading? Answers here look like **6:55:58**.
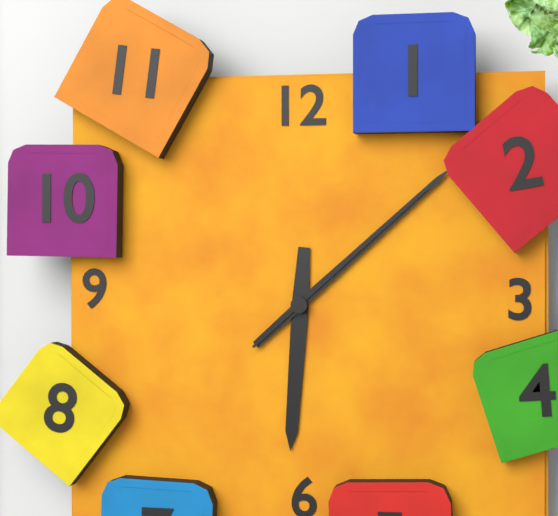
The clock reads **6:08:08**
